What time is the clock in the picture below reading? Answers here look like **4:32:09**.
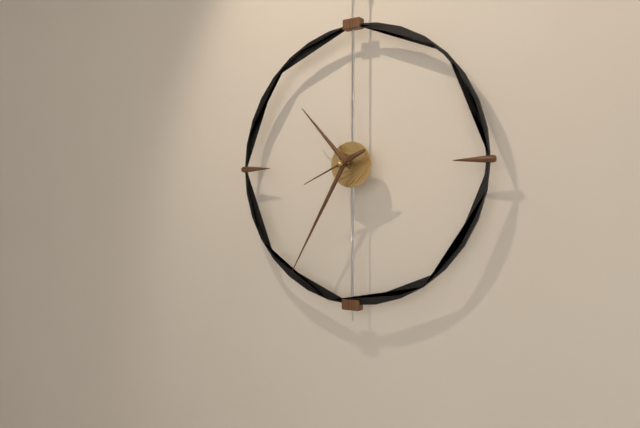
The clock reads **10:35:41**
